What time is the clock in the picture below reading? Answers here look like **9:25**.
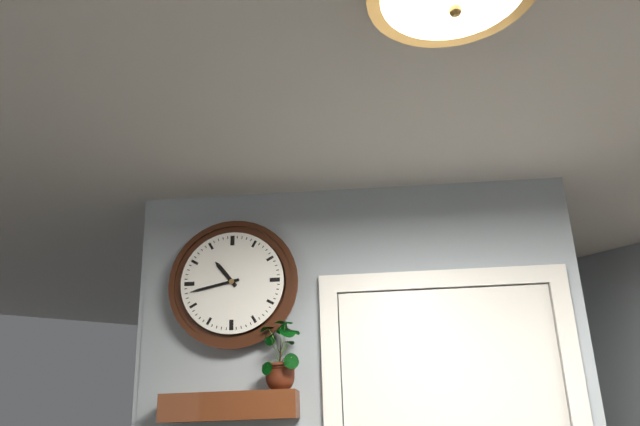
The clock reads **10:43**
